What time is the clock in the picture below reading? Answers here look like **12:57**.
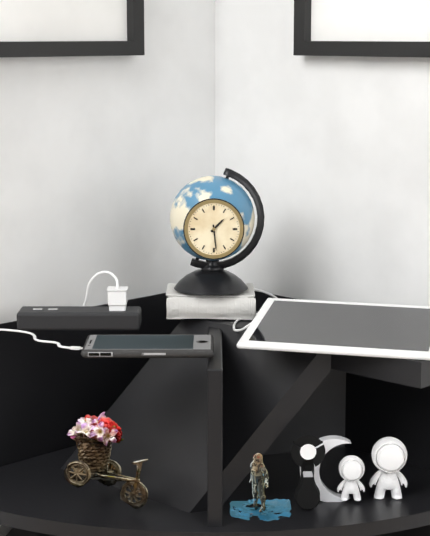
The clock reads **1:29**
